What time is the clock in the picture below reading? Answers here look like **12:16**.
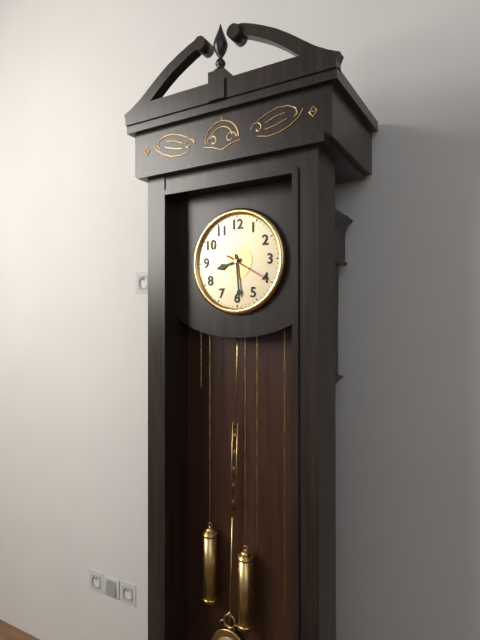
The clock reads **8:29**
